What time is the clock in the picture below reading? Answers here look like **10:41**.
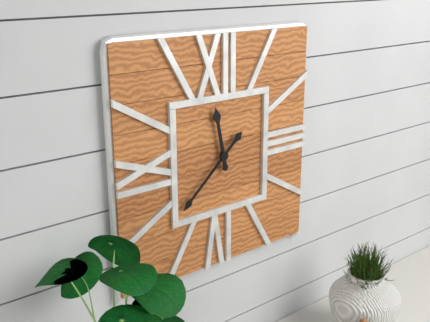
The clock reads **11:38**
